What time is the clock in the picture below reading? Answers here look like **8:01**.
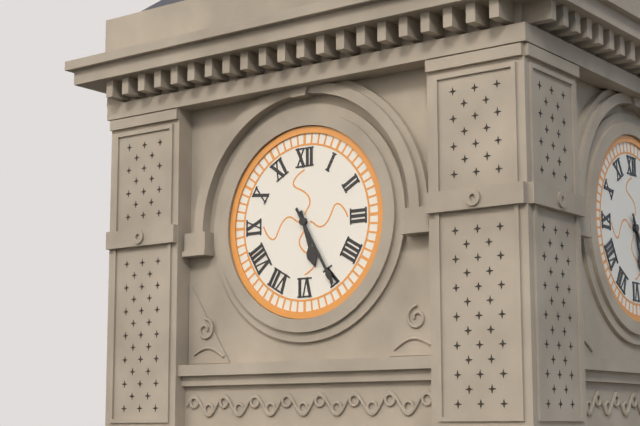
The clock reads **5:25**
